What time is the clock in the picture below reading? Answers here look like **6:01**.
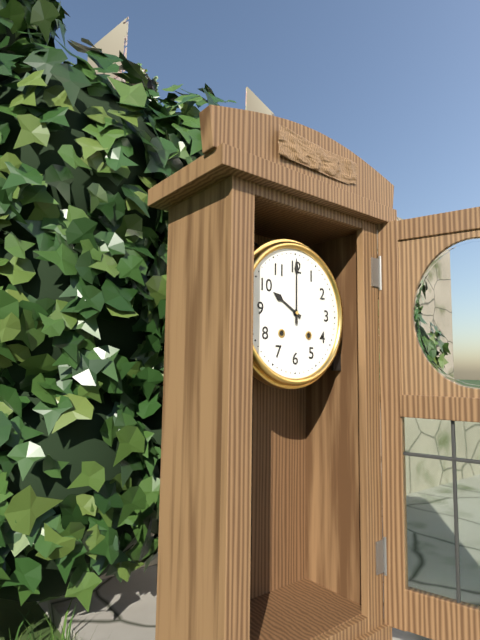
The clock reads **10:00**
